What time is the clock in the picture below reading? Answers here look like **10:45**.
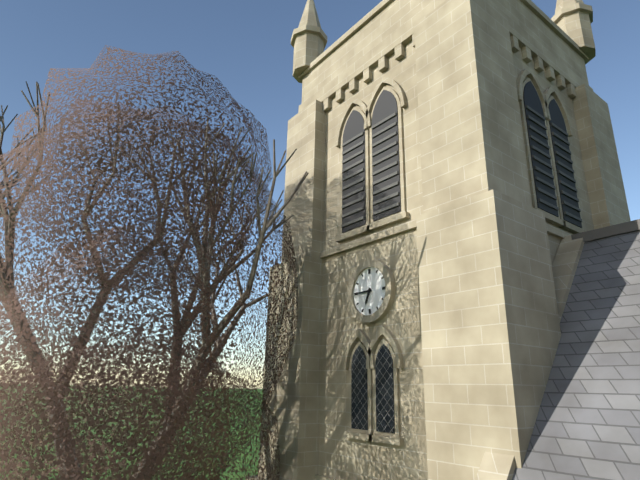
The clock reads **6:45**
